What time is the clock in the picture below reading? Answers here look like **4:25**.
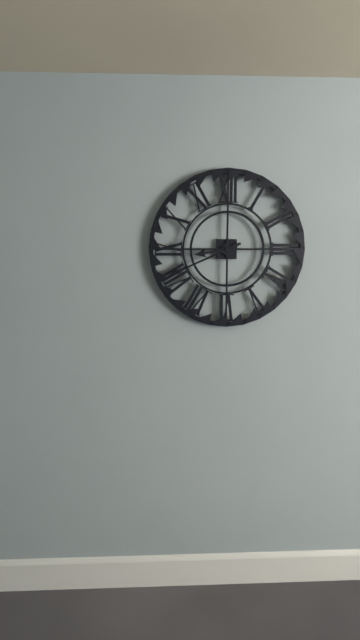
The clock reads **8:41**
